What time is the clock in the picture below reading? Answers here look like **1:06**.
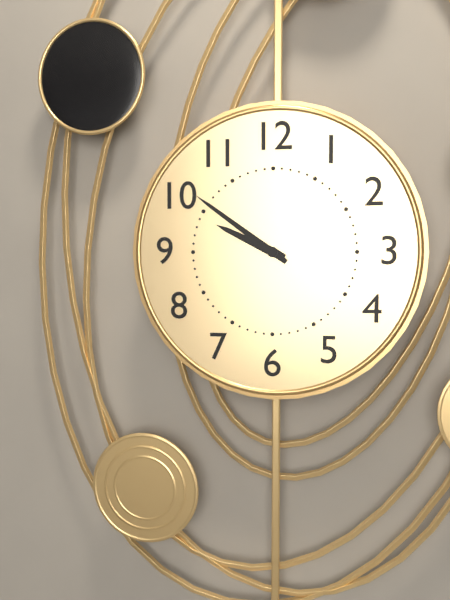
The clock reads **9:51**
